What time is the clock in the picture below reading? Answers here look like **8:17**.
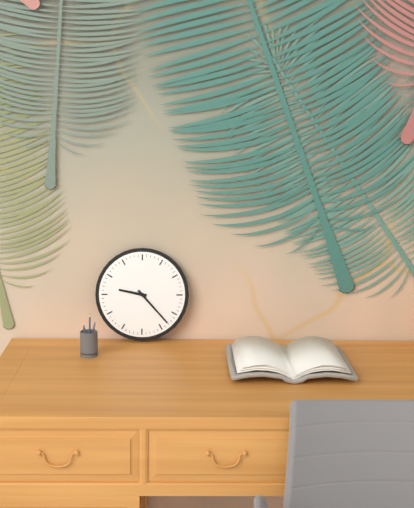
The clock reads **9:23**
